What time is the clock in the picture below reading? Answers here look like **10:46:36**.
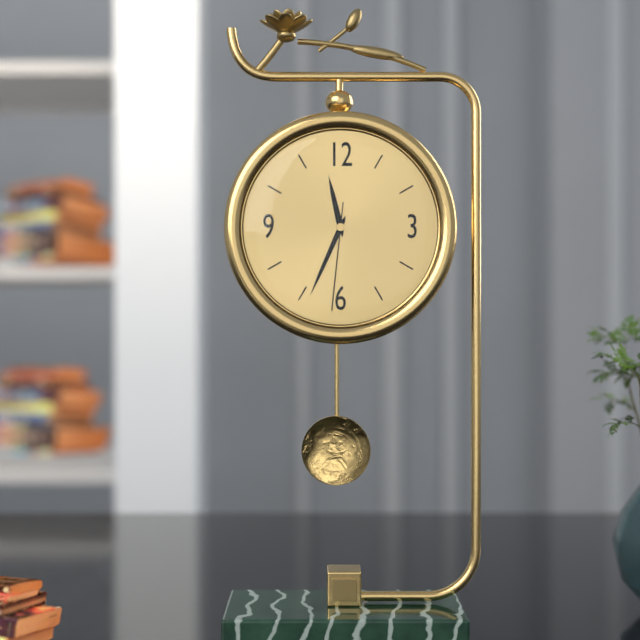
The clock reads **11:34:31**
